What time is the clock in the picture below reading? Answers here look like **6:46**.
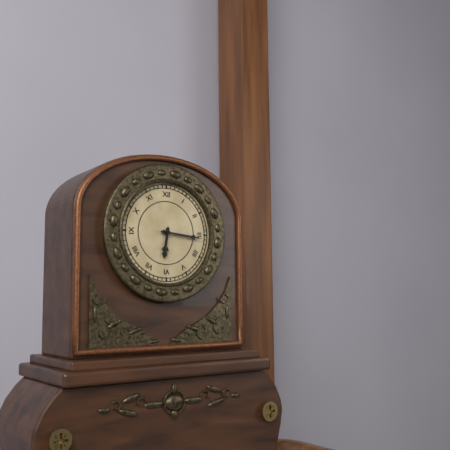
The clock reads **6:16**
